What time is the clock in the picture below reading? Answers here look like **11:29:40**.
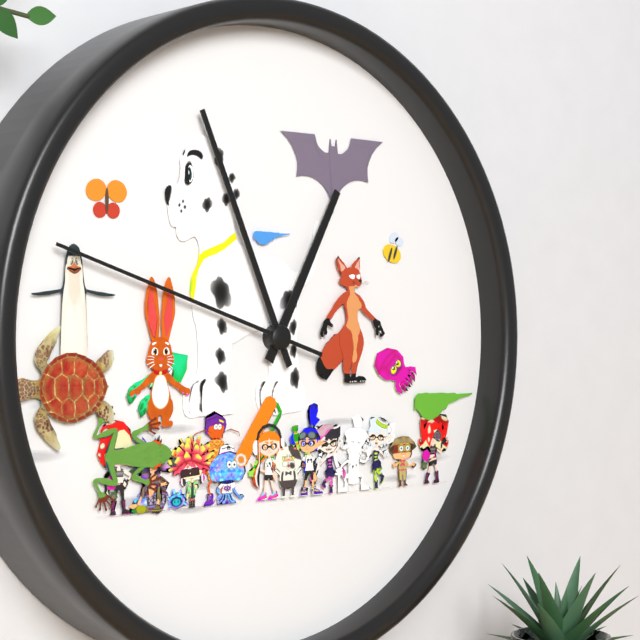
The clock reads **12:56:48**
